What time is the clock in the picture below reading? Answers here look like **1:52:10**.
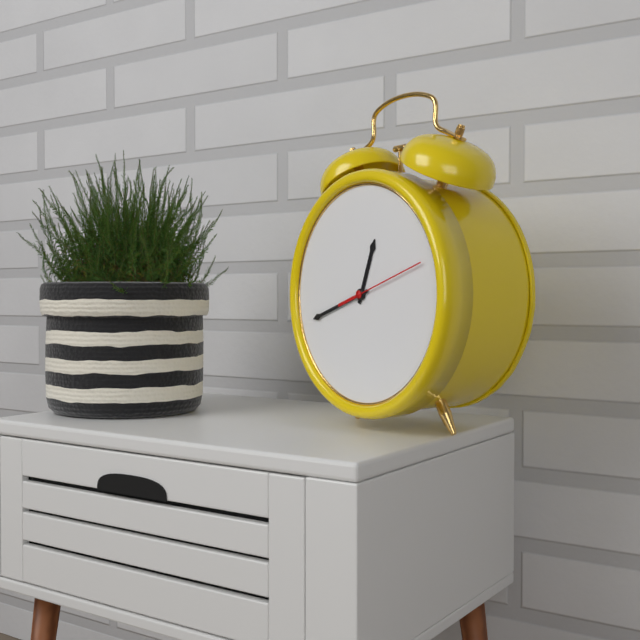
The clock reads **12:42:12**
